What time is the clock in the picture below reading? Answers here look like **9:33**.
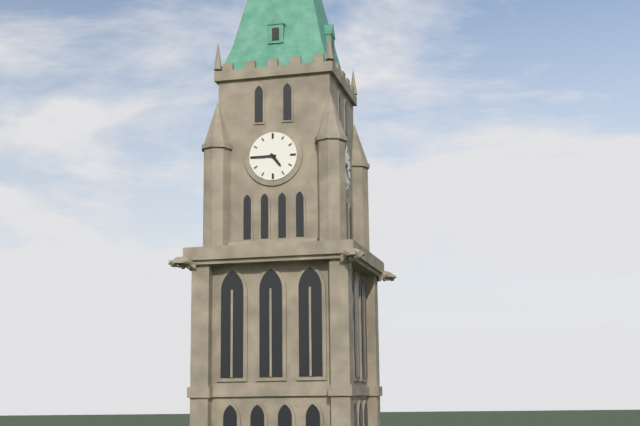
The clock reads **4:45**
